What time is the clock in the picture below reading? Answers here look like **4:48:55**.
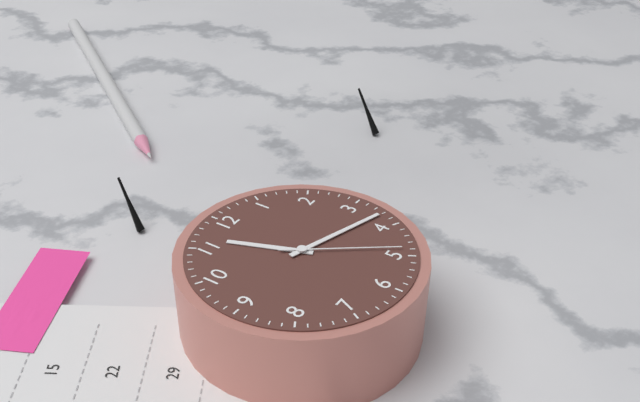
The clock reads **11:18:24**
